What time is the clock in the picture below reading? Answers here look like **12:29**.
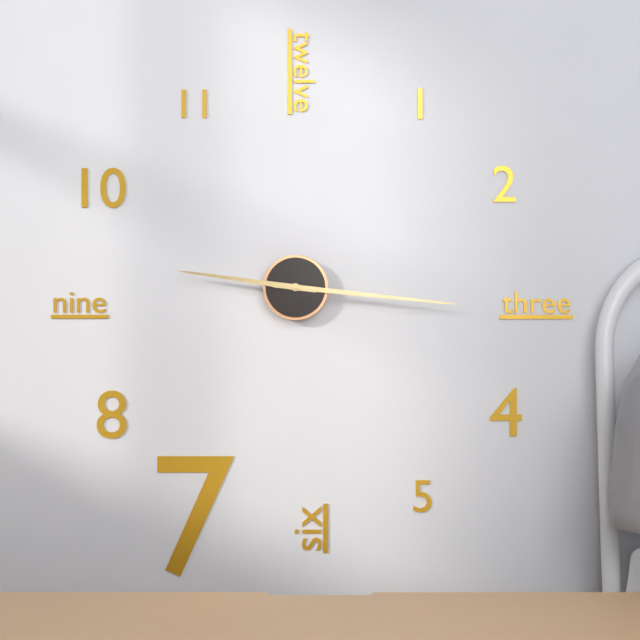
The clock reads **9:16**
